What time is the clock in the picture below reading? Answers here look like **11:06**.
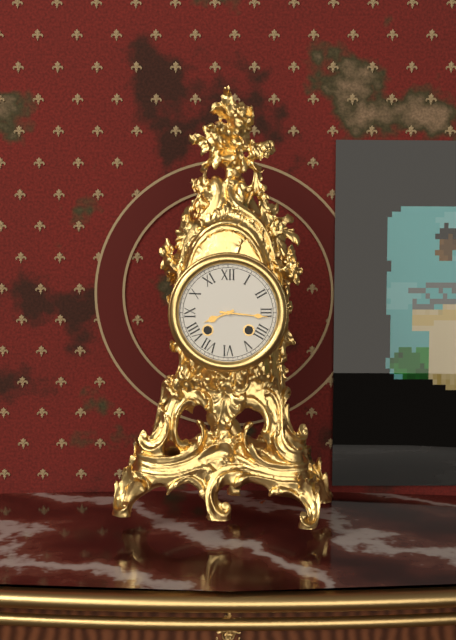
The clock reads **8:16**
